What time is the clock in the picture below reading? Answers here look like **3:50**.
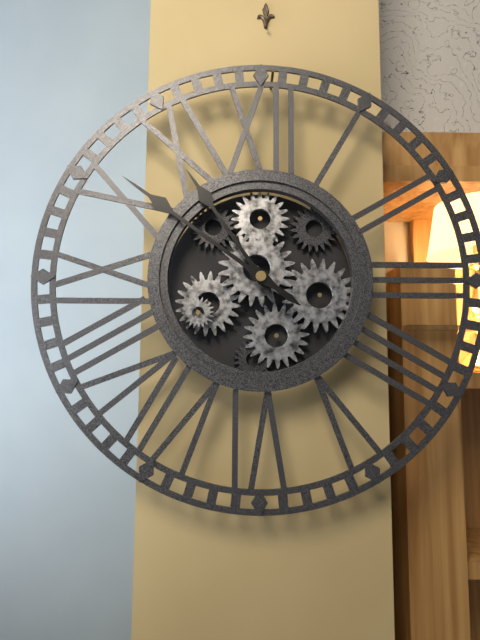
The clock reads **10:51**
